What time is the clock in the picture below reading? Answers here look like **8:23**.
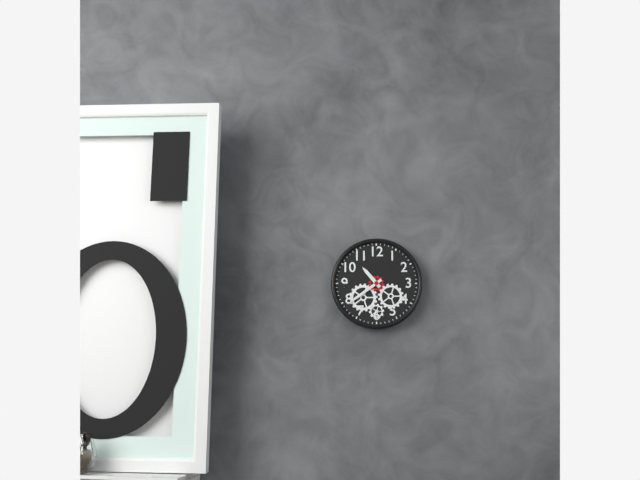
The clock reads **10:39**
